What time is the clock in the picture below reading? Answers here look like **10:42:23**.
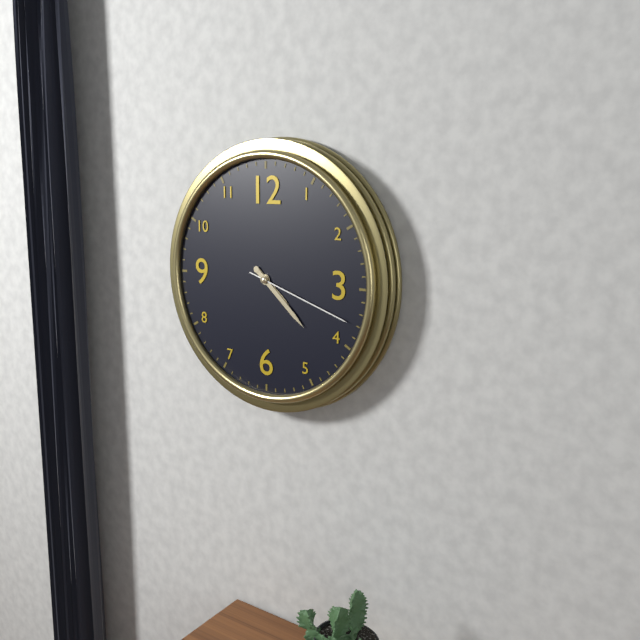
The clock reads **4:22:18**
